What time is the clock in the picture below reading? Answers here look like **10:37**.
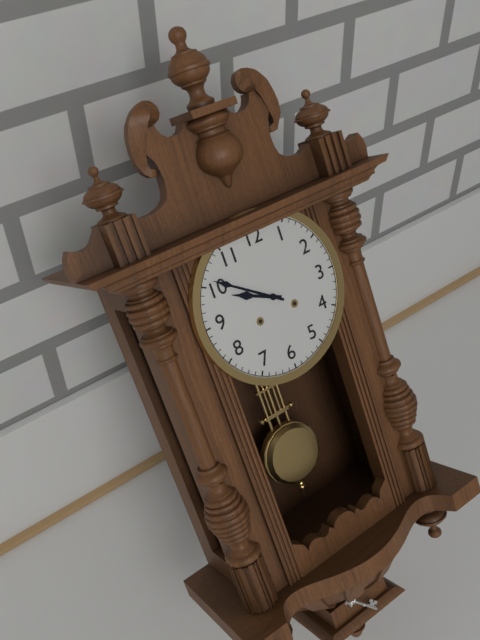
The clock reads **9:51**
